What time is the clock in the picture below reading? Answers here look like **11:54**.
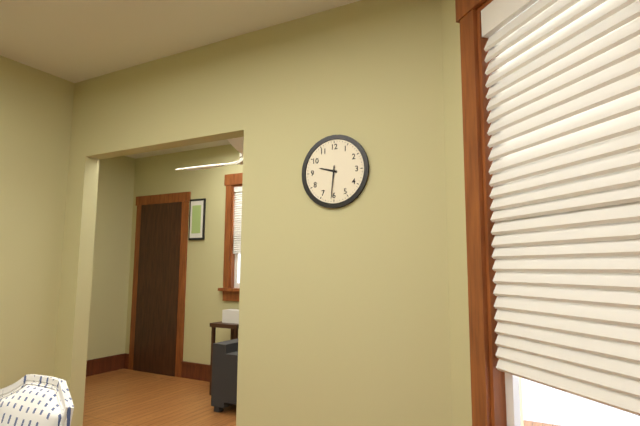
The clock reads **9:31**
